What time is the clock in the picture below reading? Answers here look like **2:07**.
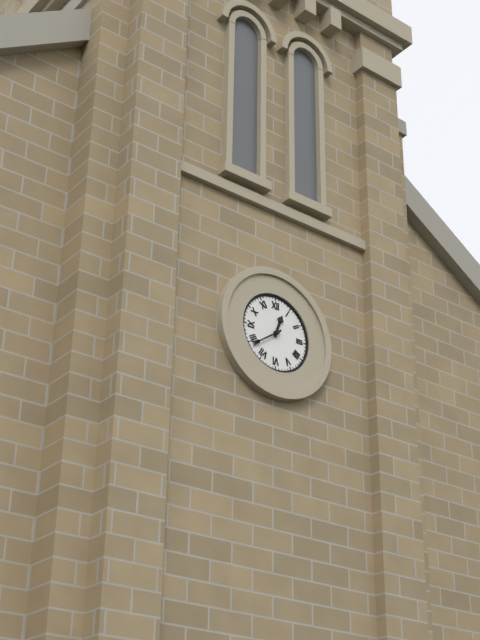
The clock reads **12:39**
